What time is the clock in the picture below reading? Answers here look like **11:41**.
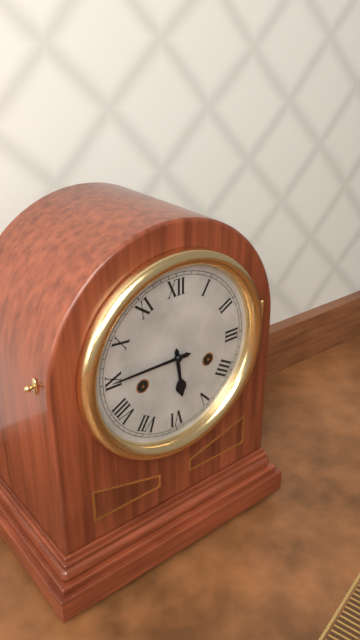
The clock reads **5:45**
